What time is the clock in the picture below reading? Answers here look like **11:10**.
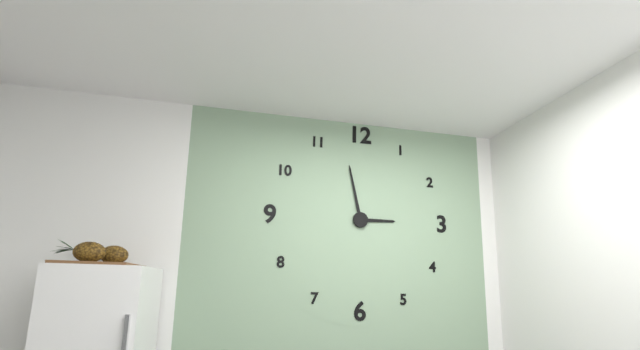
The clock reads **2:58**
